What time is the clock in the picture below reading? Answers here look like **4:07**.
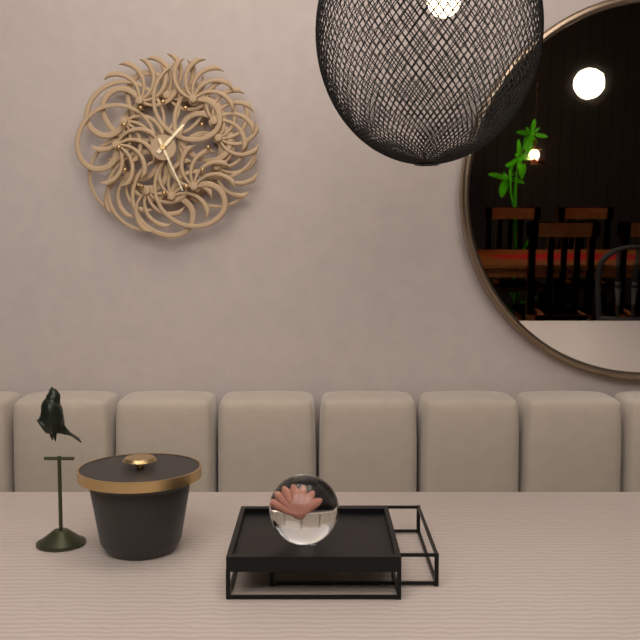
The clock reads **1:26**
